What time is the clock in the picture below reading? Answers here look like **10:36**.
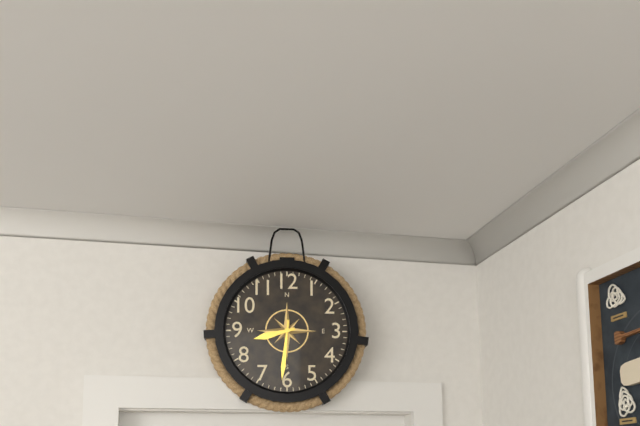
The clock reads **8:31**
